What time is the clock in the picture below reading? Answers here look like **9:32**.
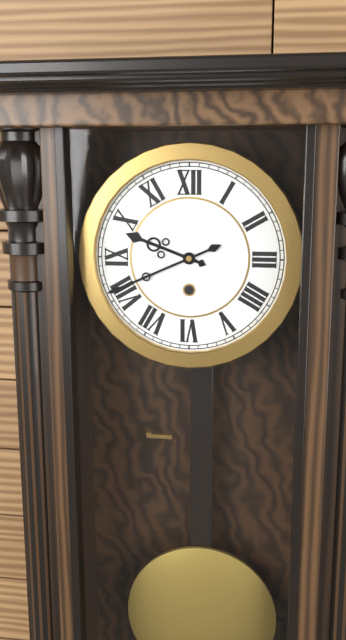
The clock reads **9:41**
